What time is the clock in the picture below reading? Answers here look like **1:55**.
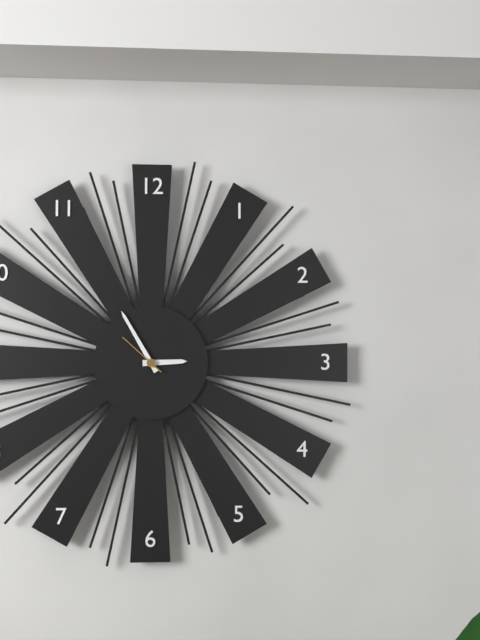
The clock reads **2:55**
